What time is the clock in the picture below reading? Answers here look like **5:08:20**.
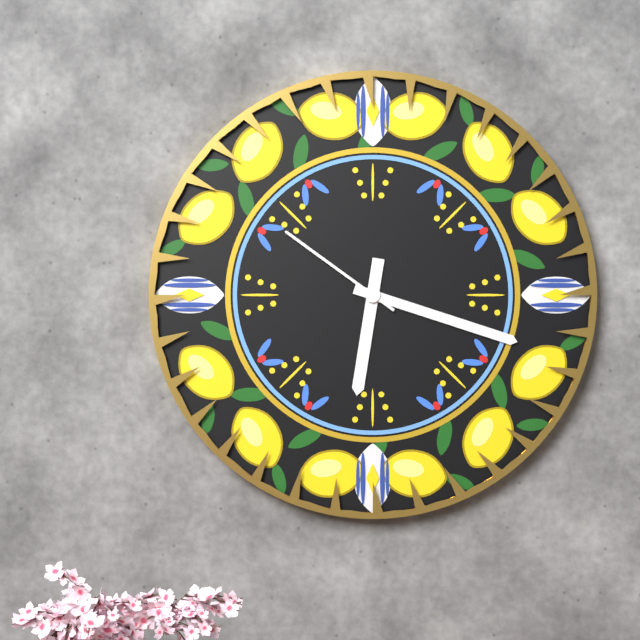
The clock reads **6:18:51**
